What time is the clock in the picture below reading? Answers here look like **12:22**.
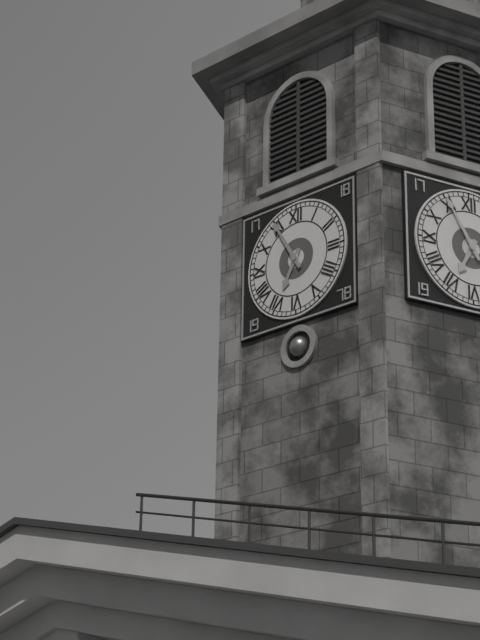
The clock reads **6:55**
